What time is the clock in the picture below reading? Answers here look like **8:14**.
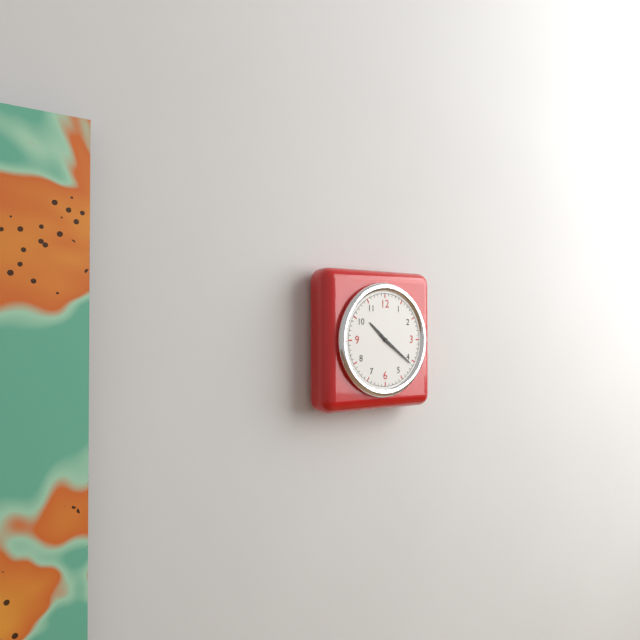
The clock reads **10:21**
